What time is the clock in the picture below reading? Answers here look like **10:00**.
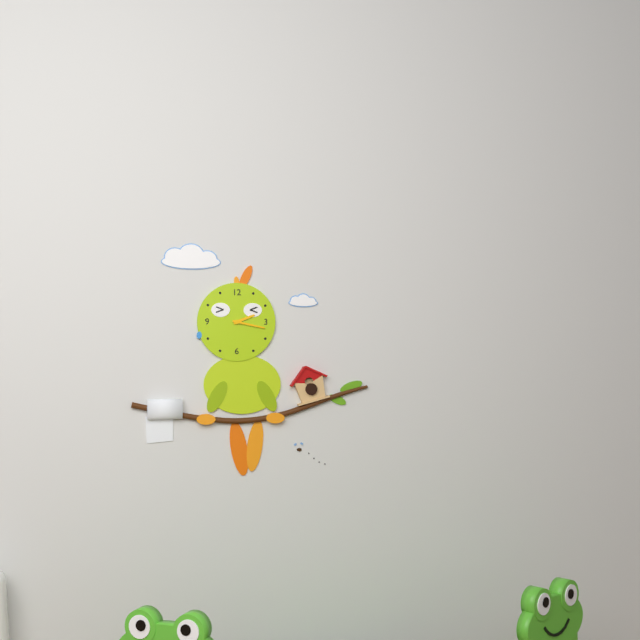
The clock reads **2:17**
